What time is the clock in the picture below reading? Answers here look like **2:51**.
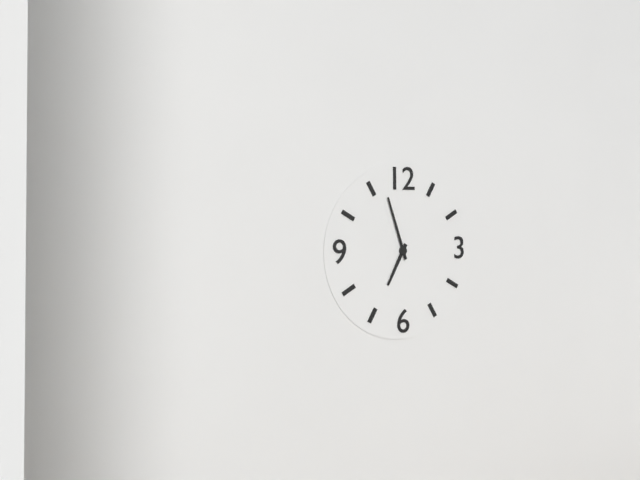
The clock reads **6:57**
